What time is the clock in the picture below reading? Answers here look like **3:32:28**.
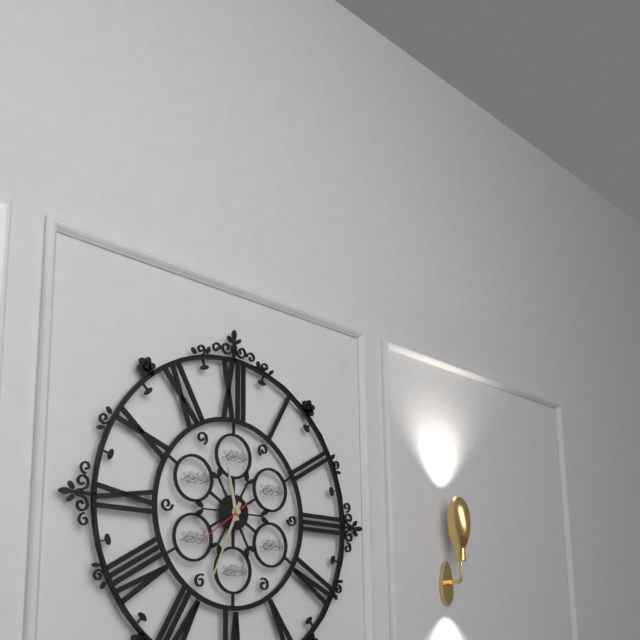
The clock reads **11:34:39**
